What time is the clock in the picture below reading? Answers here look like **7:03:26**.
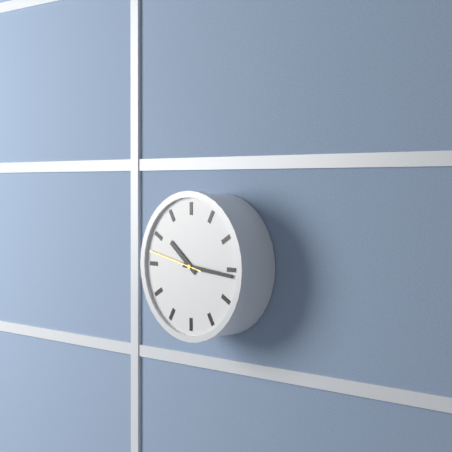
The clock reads **10:16:47**
